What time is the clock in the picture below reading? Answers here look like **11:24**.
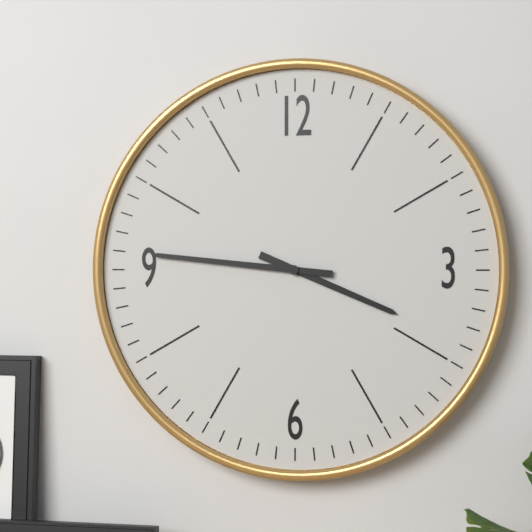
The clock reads **3:46**
